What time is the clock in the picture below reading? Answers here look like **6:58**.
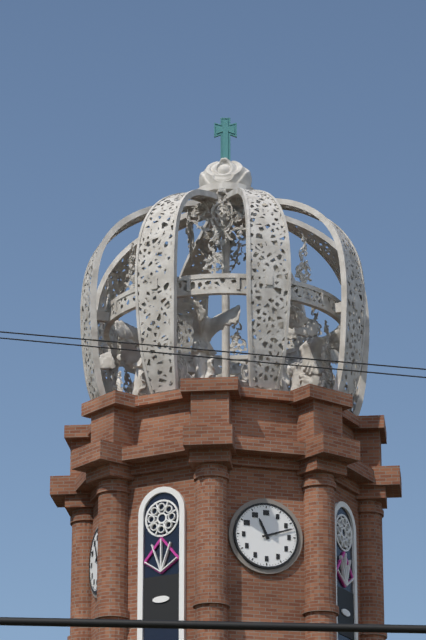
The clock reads **11:12**
